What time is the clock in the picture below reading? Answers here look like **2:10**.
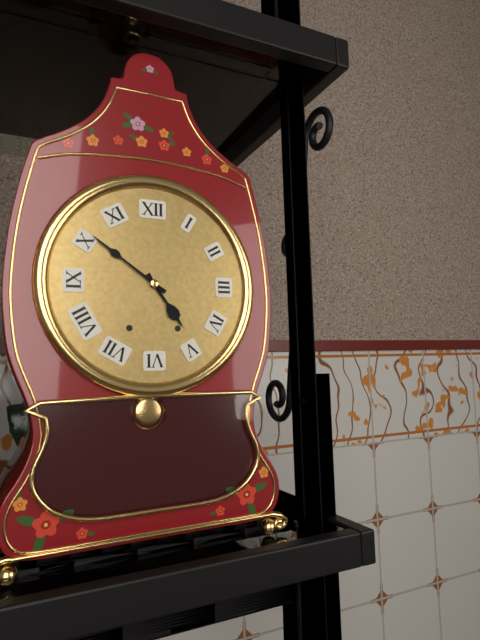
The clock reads **4:51**
